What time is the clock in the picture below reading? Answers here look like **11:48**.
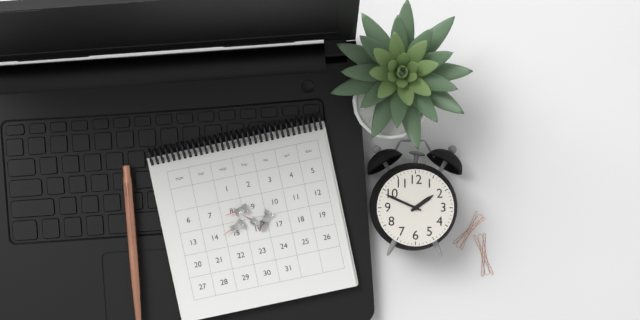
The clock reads **1:49**
